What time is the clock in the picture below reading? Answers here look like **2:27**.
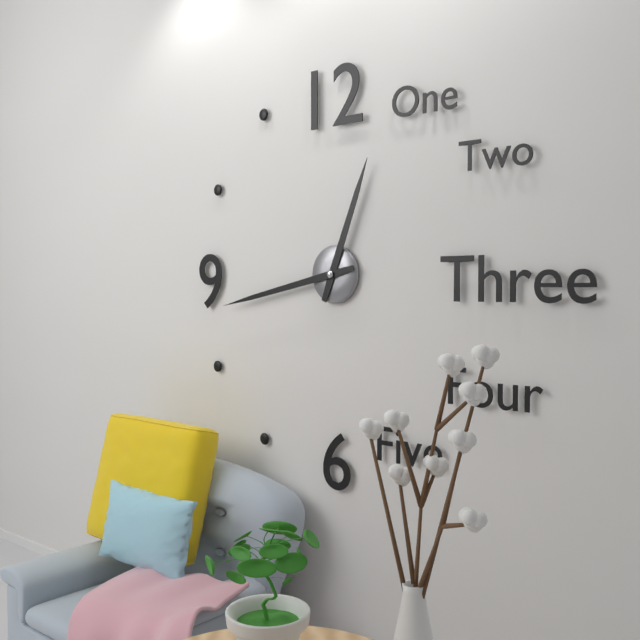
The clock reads **12:43**
